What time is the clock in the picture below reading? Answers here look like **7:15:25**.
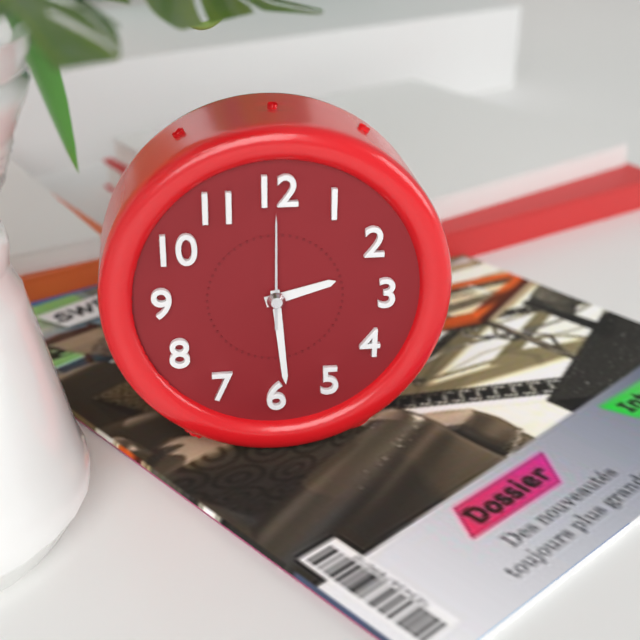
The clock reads **2:29:00**
